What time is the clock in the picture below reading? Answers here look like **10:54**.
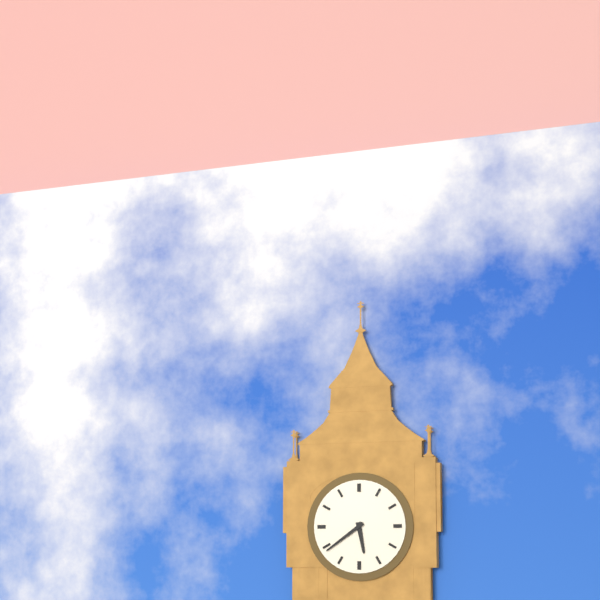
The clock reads **5:39**
